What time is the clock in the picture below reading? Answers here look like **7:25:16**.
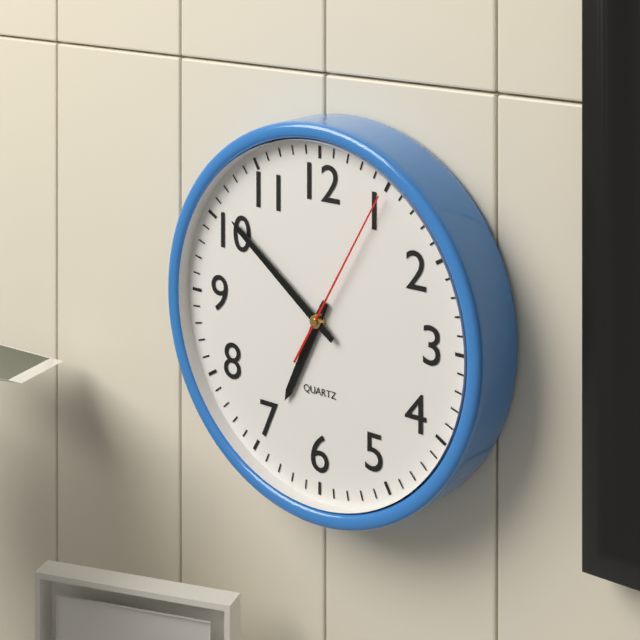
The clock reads **6:51:05**
